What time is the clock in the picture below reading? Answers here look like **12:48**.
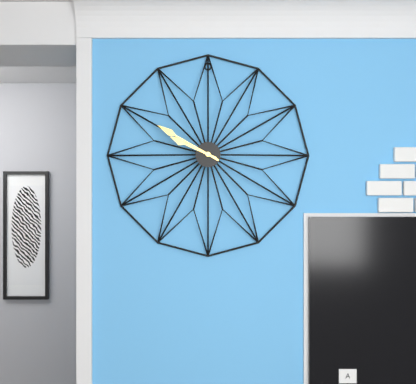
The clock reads **9:50**
